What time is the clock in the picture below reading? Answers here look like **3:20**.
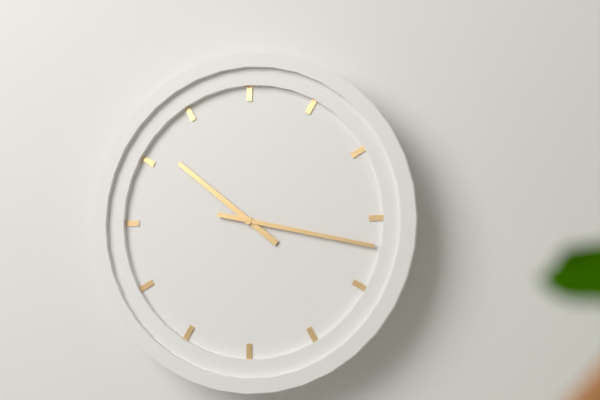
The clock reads **10:17**
